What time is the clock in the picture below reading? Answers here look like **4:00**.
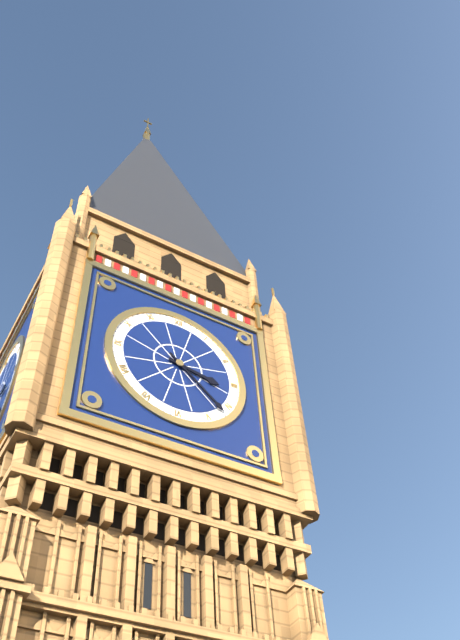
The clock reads **3:22**
